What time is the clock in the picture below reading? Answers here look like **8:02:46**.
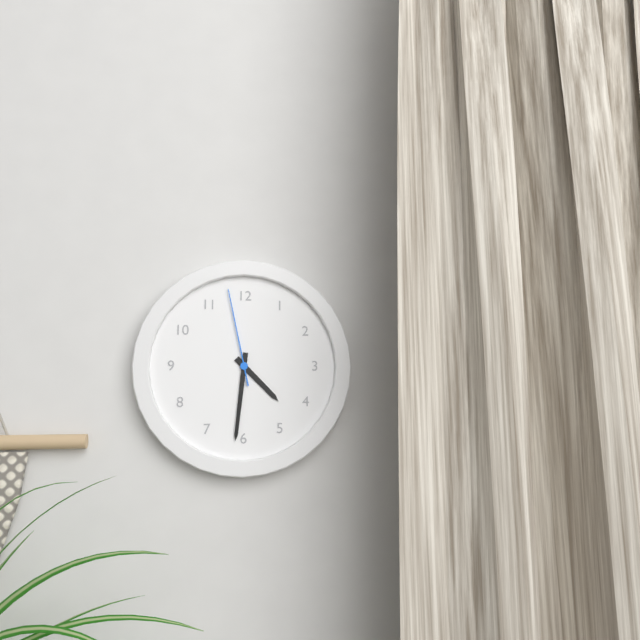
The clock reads **4:31:58**
